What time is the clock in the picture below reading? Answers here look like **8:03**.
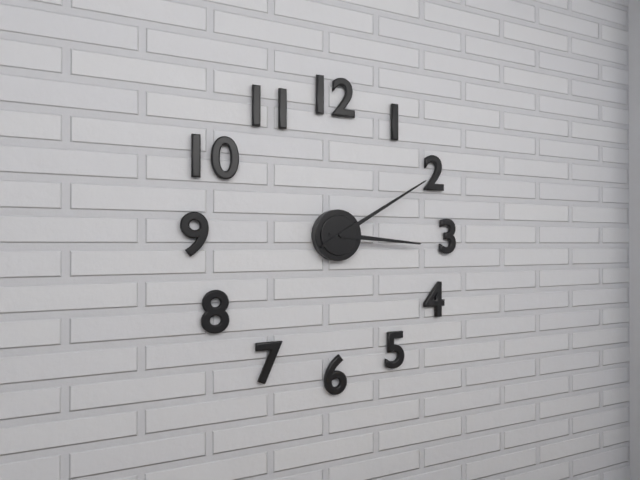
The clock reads **3:10**
